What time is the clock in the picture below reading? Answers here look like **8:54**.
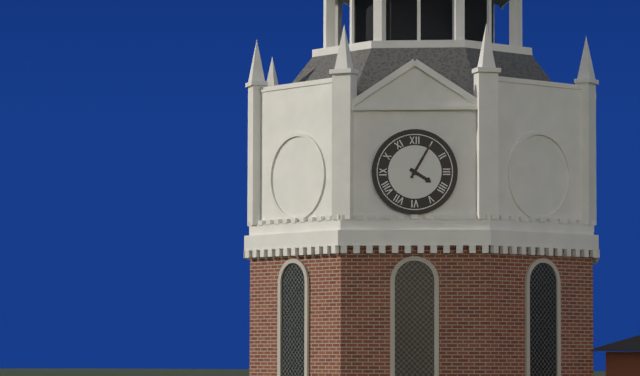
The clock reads **4:05**
